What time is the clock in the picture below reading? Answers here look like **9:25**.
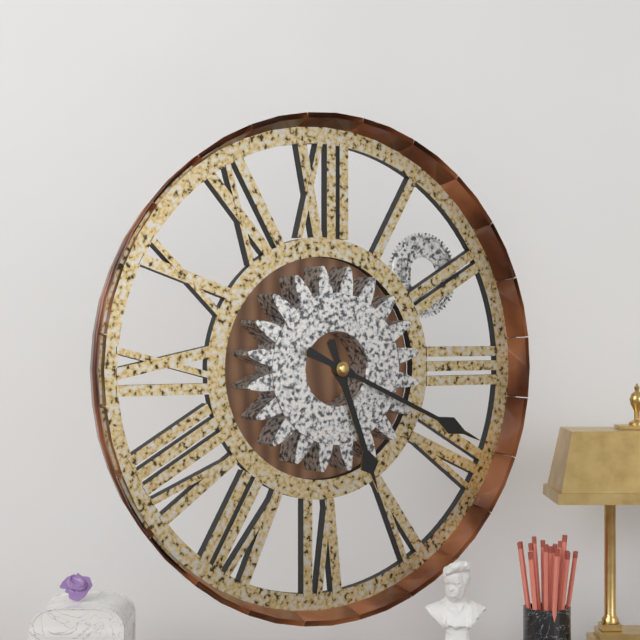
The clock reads **5:19**
